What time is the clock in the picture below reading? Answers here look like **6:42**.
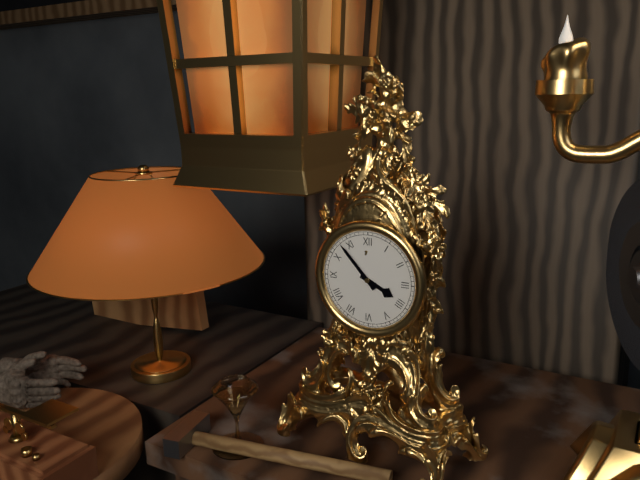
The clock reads **3:53**
